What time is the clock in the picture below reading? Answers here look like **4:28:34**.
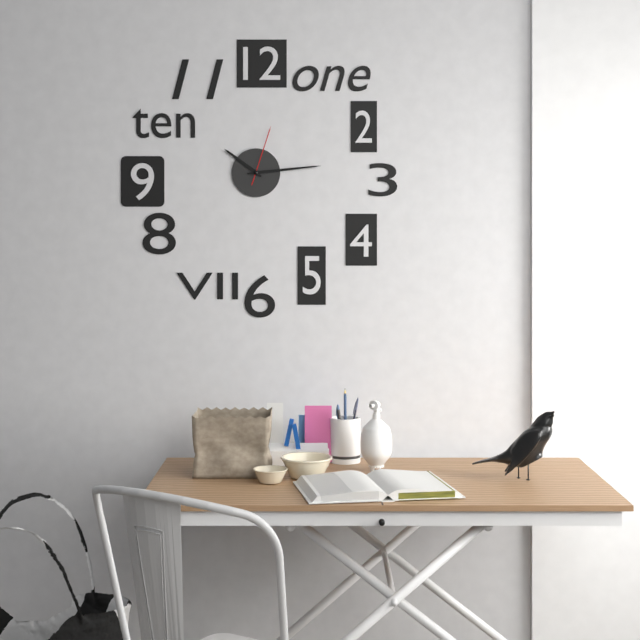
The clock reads **10:14:03**
